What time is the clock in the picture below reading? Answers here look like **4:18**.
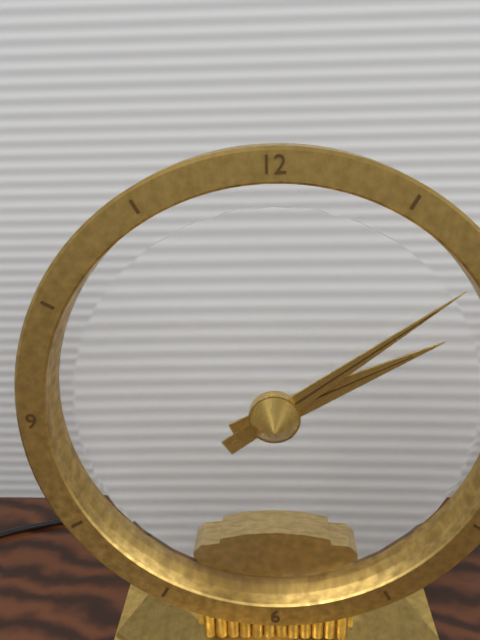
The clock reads **2:09**
